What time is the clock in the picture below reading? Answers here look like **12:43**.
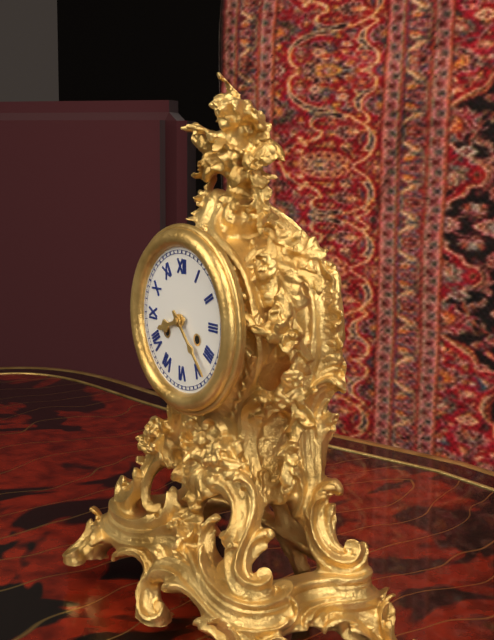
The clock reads **8:23**
